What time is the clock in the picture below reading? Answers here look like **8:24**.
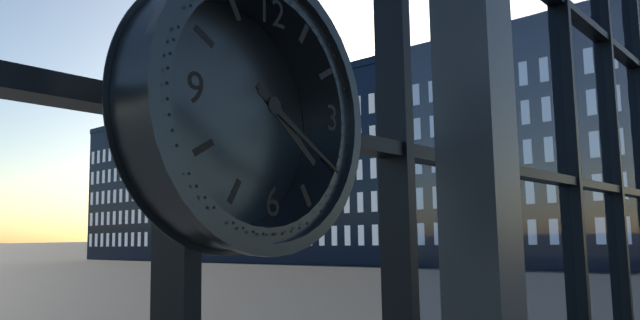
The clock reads **4:20**
